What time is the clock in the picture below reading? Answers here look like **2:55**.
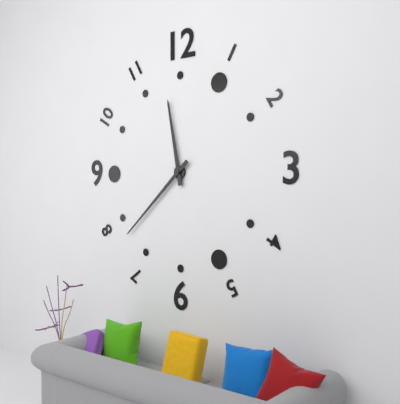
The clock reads **11:38**
